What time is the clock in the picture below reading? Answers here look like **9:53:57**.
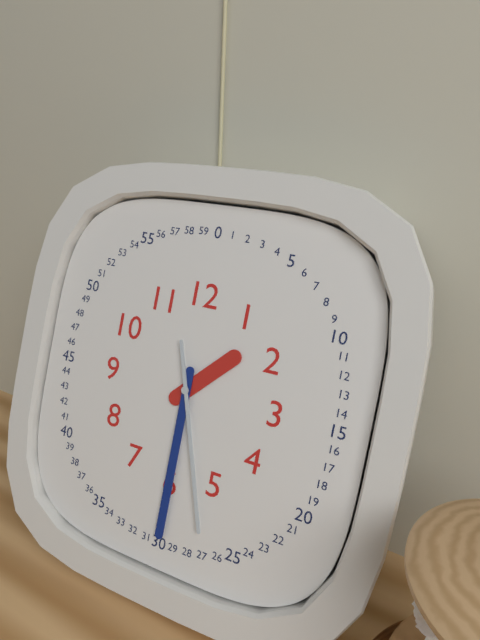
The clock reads **1:30:27**
